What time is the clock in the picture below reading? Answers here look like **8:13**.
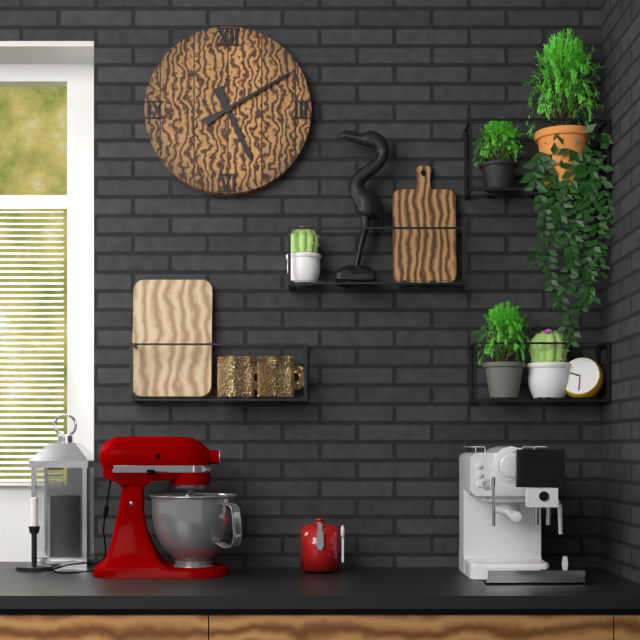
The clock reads **5:10**
